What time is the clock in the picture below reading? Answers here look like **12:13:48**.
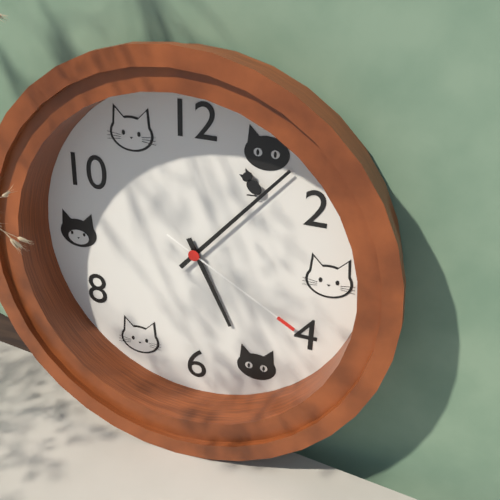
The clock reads **5:07:20**
